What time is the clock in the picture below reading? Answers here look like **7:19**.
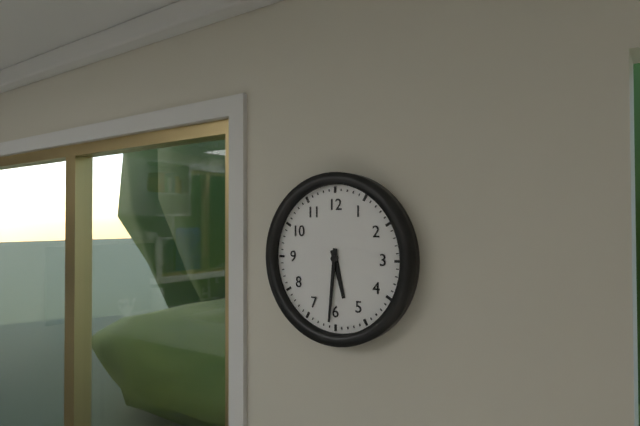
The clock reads **5:31**
